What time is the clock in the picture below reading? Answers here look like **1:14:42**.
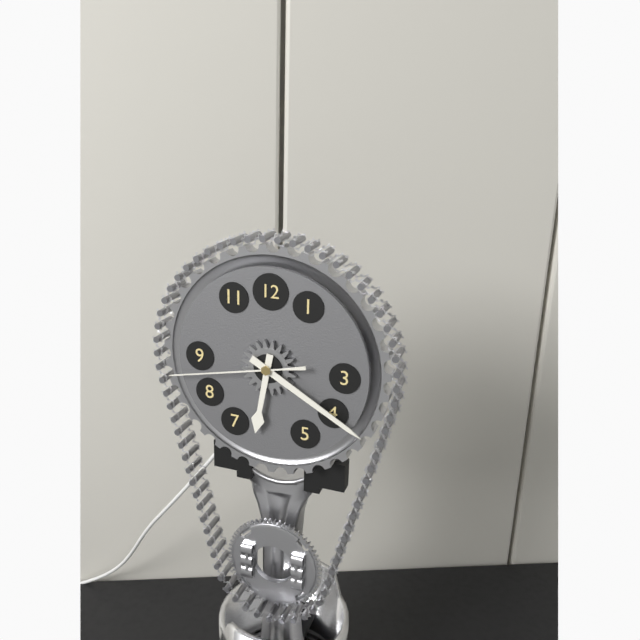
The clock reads **6:20:43**
